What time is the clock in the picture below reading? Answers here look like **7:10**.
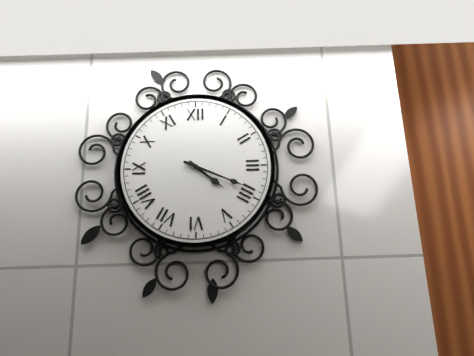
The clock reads **4:19**
